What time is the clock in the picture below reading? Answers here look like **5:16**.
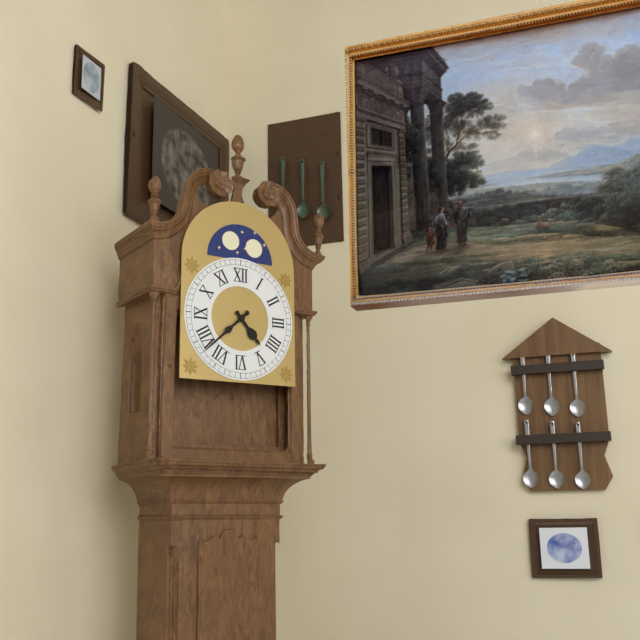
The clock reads **4:38**
